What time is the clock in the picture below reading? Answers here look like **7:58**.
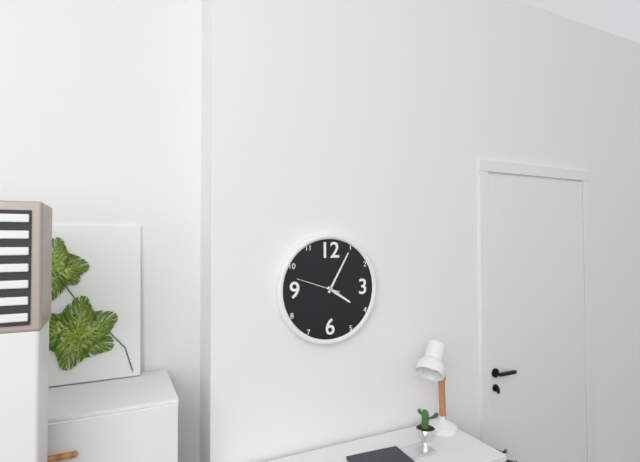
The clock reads **4:05**
